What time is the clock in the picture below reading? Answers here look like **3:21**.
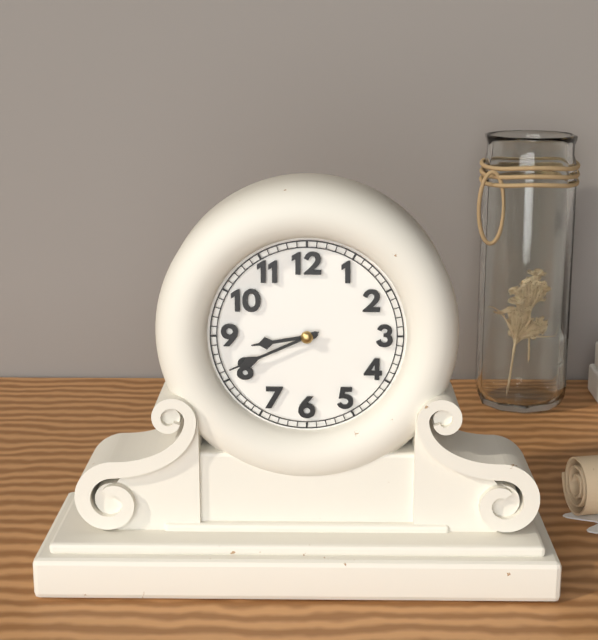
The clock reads **8:41**
